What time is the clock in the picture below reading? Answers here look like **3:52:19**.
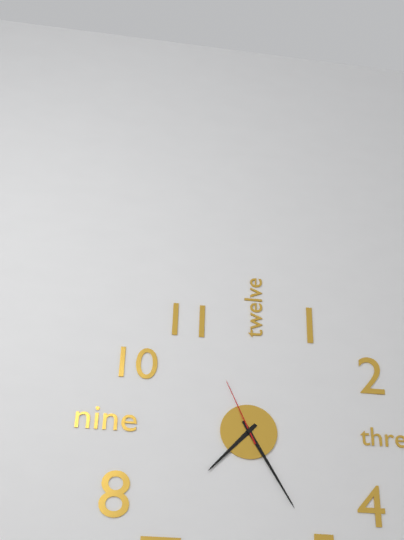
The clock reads **7:25:56**
